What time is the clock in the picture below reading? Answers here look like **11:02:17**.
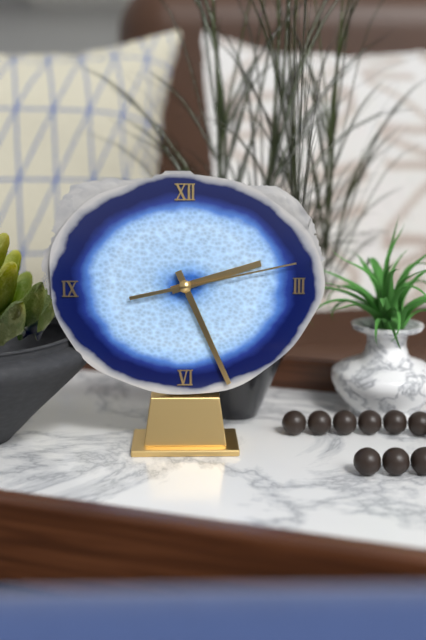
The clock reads **2:26:13**
